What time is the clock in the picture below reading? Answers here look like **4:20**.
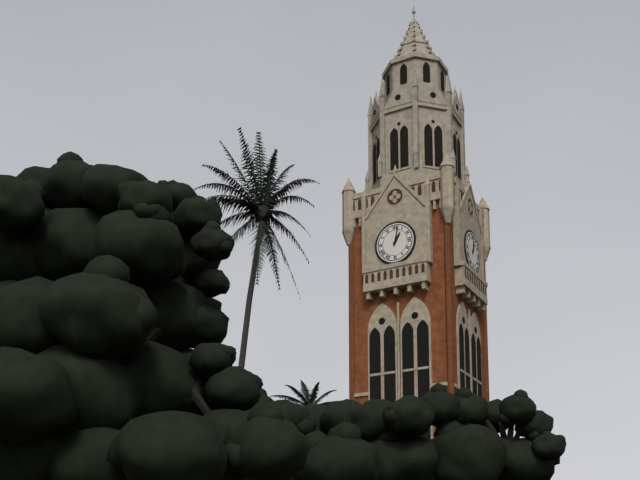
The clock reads **1:02**
